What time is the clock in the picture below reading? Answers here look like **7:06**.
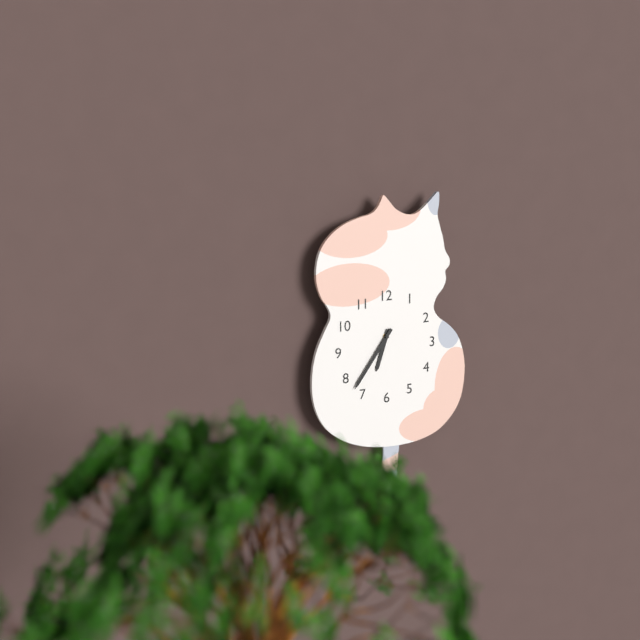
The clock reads **6:36**
